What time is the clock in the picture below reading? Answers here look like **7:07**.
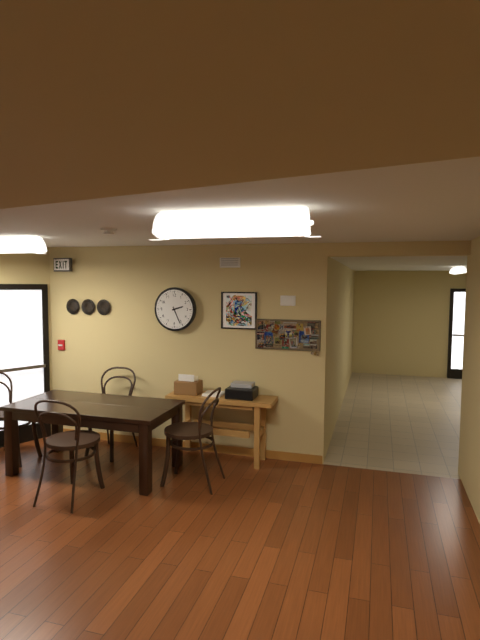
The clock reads **2:26**
